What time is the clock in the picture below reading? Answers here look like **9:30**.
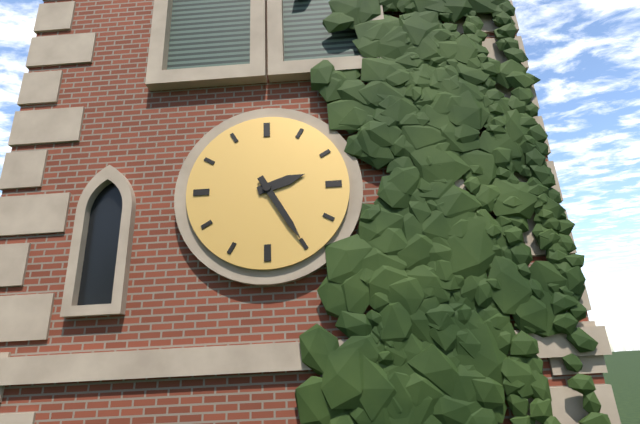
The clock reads **2:25**
